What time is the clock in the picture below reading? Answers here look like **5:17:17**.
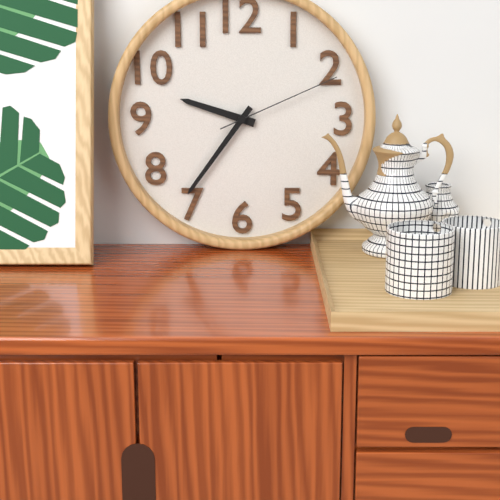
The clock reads **9:36:11**
